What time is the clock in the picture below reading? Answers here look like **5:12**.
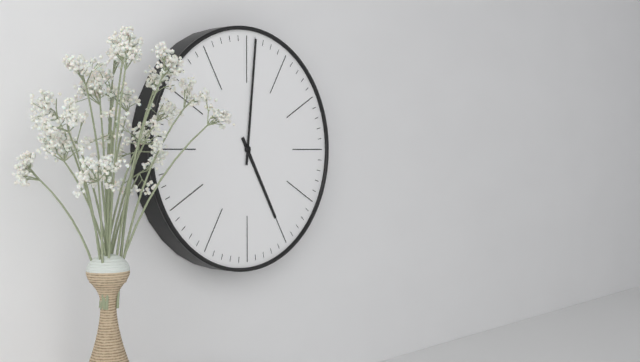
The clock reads **5:01**
